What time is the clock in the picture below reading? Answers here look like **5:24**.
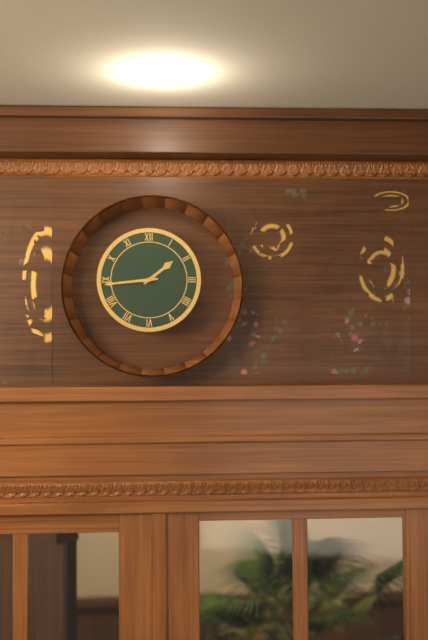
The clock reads **1:44**
